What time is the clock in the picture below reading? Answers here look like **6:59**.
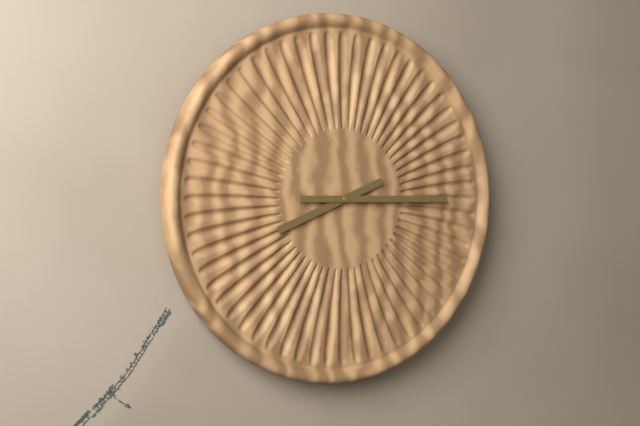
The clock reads **8:15**
